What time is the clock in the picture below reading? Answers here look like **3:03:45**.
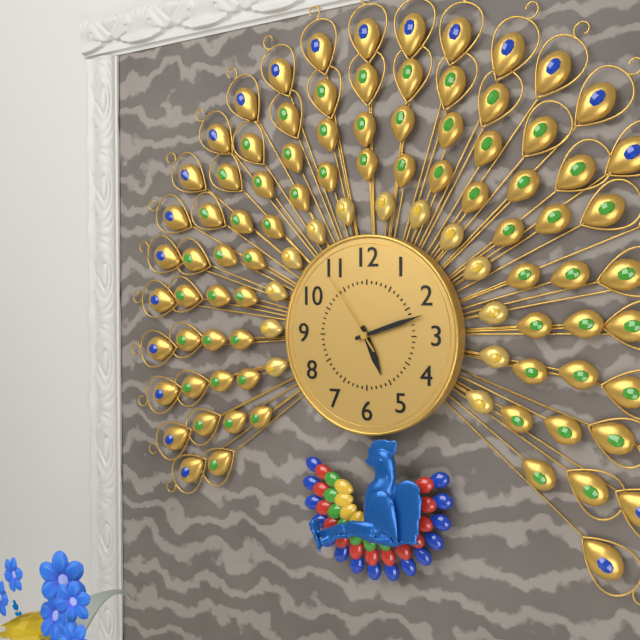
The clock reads **5:12:54**
